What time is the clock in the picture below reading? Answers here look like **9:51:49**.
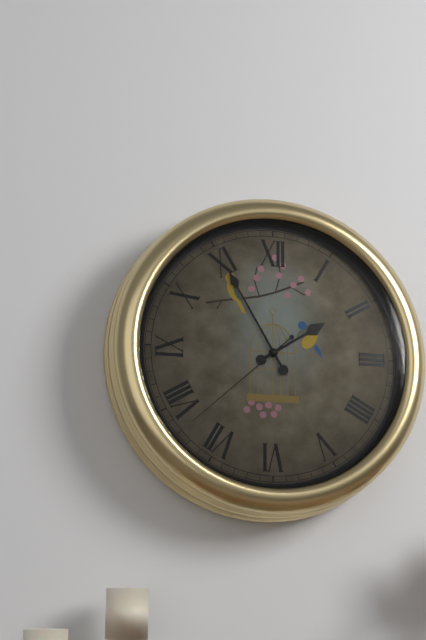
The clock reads **1:55:38**
